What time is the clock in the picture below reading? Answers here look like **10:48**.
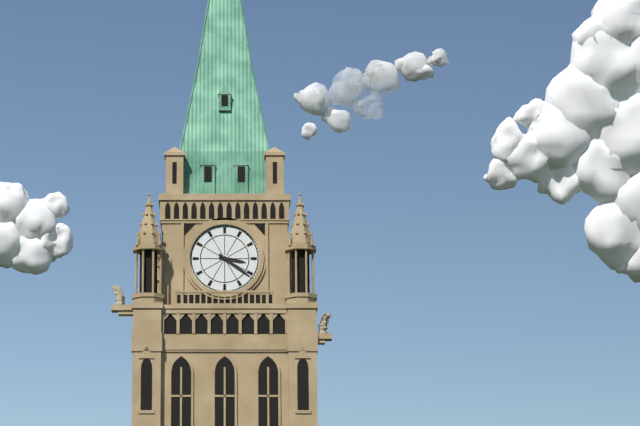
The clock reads **3:21**
